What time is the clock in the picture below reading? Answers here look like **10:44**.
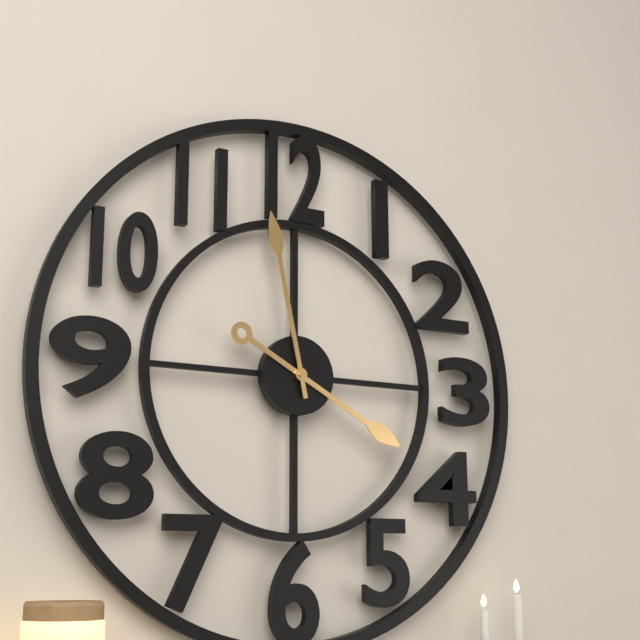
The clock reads **3:58**
